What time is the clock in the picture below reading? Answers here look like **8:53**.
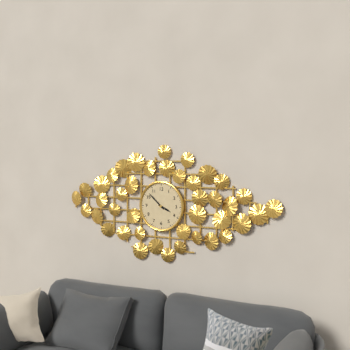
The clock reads **3:52**
